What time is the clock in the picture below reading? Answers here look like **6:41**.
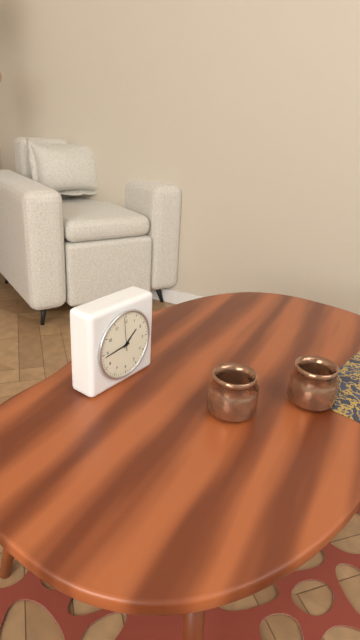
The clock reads **1:44**
